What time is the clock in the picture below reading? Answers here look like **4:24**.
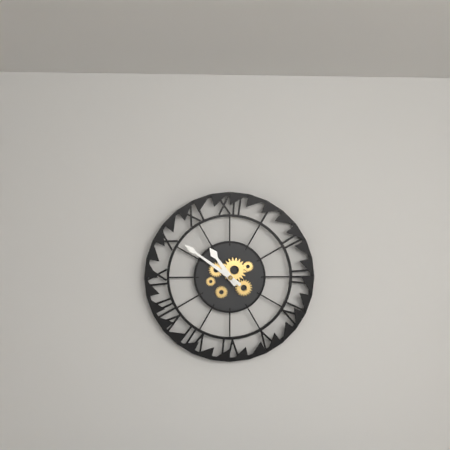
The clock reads **10:51**
